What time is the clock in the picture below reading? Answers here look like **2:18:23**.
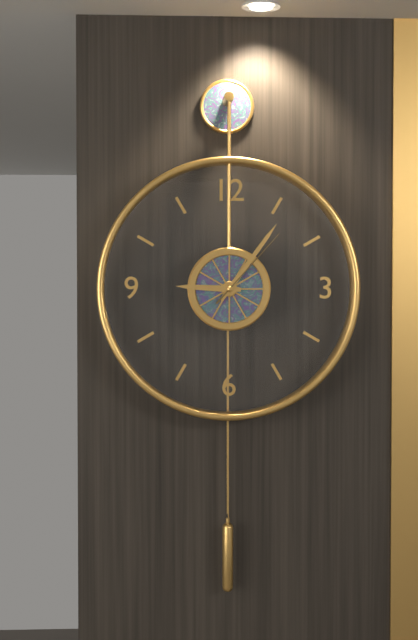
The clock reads **9:06:07**
